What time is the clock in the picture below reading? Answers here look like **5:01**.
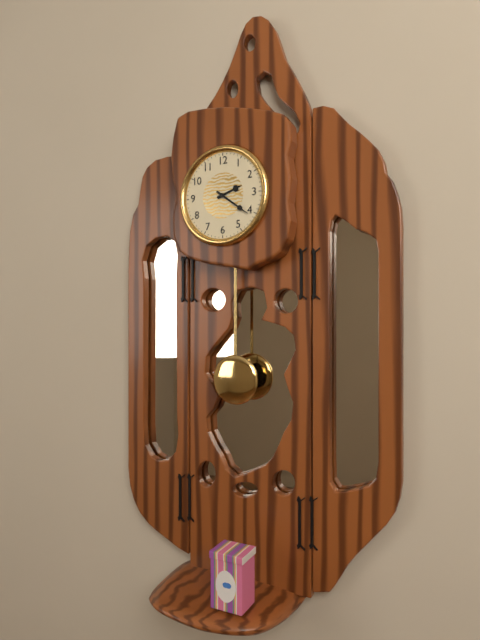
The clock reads **2:21**
